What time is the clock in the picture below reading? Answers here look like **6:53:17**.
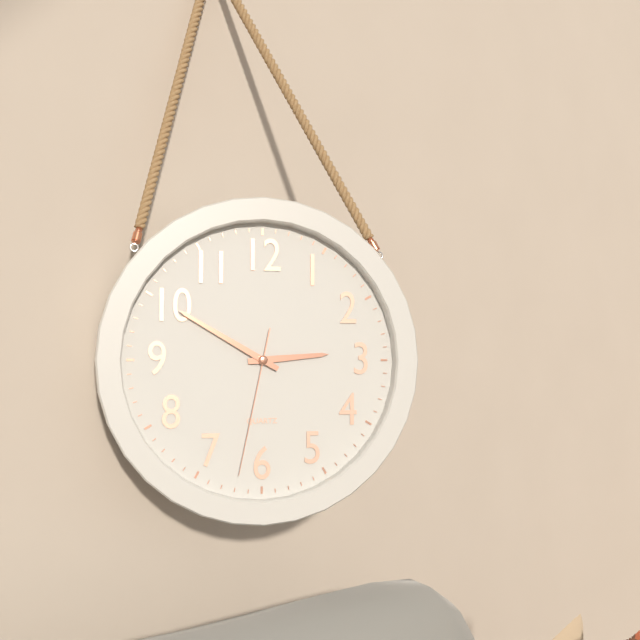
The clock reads **2:50:32**
